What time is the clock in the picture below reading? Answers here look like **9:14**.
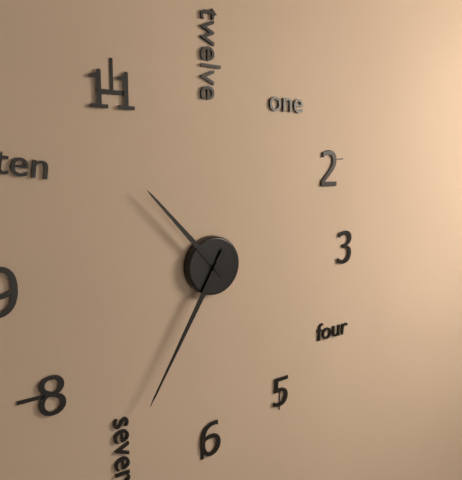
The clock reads **10:35**
